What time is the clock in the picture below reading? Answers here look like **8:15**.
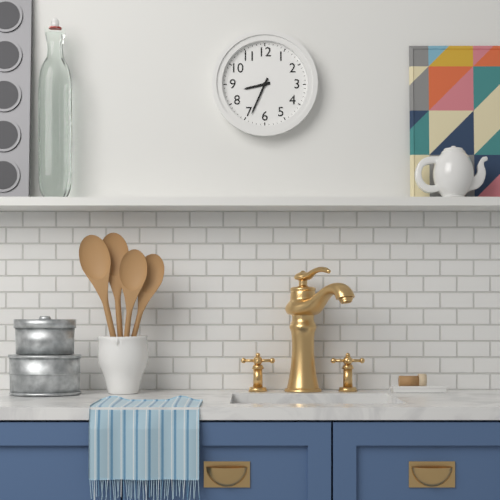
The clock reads **8:34**
